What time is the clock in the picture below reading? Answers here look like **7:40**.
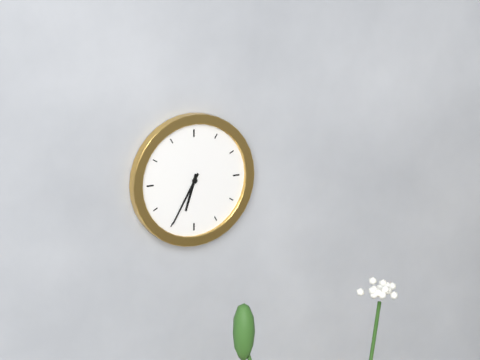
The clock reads **6:35**
